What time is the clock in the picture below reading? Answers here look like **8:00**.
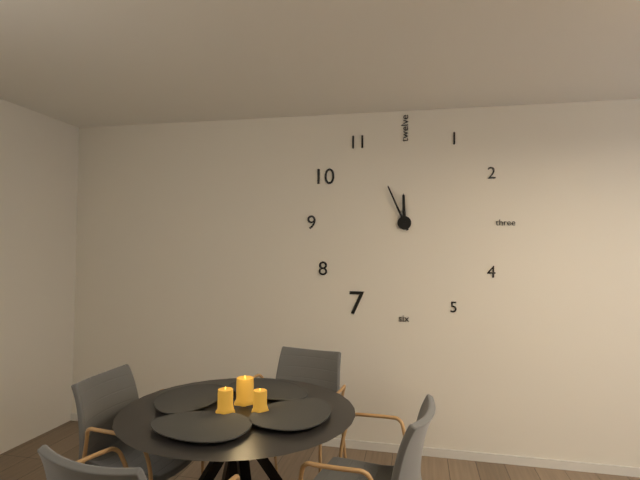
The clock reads **11:56**
